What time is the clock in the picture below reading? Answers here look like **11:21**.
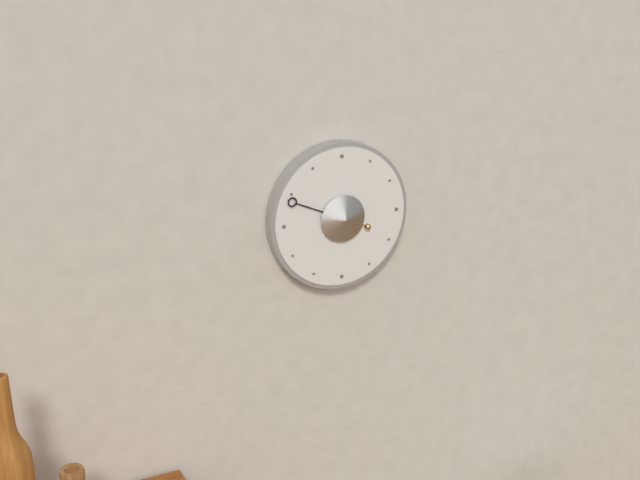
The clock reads **3:49**
